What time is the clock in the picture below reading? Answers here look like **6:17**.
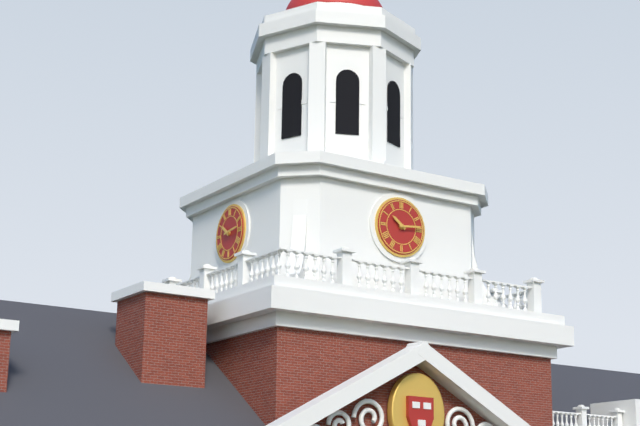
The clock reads **10:14**
